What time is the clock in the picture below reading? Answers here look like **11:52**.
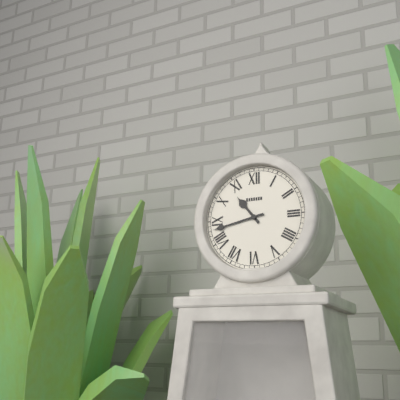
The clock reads **10:43**
